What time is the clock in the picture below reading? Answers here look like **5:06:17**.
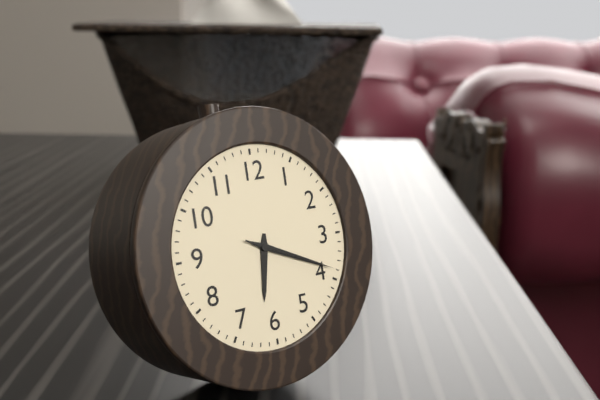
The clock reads **6:19:19**
